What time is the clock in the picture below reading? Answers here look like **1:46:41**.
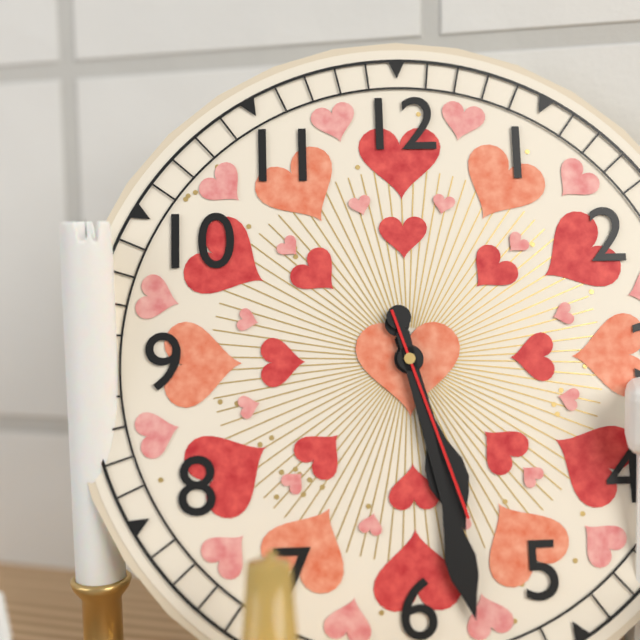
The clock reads **5:28:27**
